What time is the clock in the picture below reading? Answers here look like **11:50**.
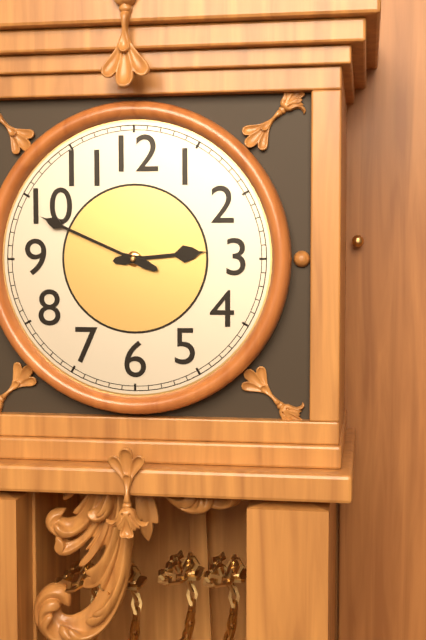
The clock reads **2:49**
